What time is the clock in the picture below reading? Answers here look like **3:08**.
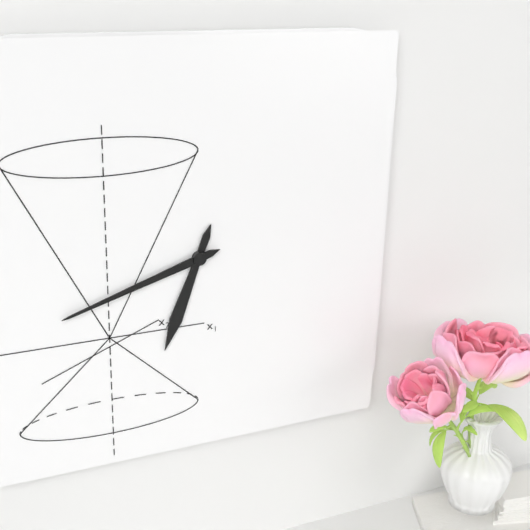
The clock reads **6:42**
